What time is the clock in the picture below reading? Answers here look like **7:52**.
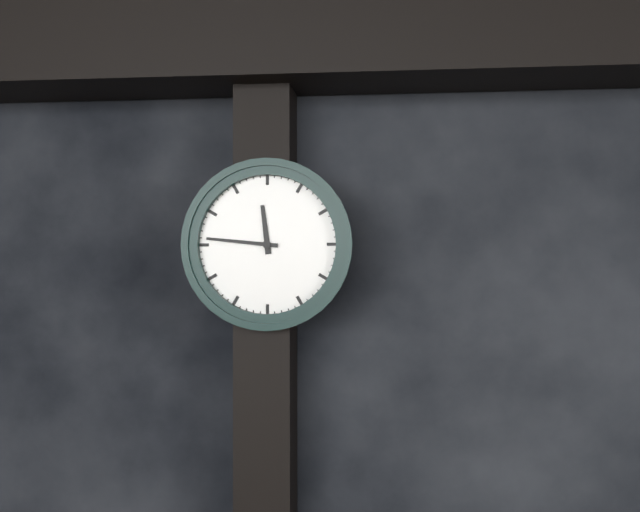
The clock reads **11:46**
